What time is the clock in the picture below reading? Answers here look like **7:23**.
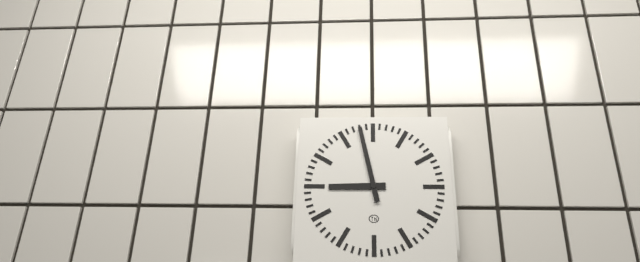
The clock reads **8:58**
